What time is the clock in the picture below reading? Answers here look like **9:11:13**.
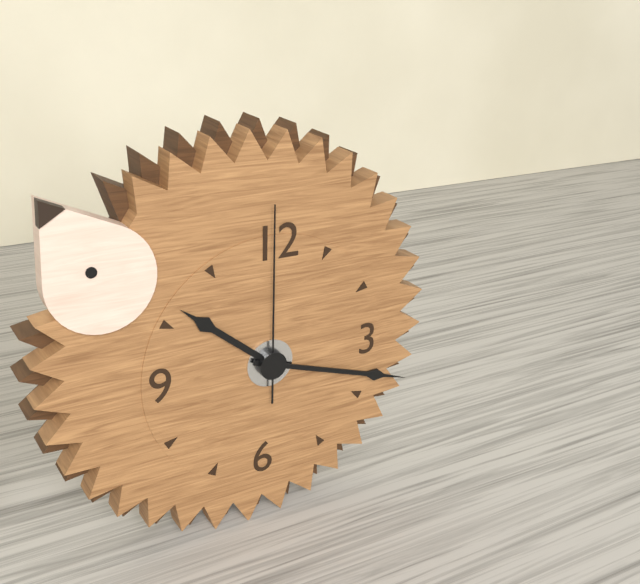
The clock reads **10:18:00**
